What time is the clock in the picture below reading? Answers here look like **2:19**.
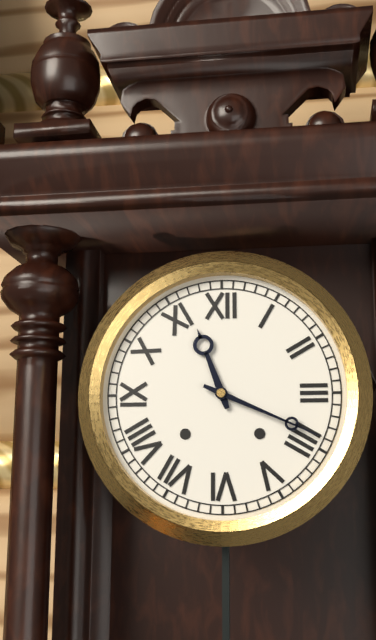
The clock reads **11:19**
